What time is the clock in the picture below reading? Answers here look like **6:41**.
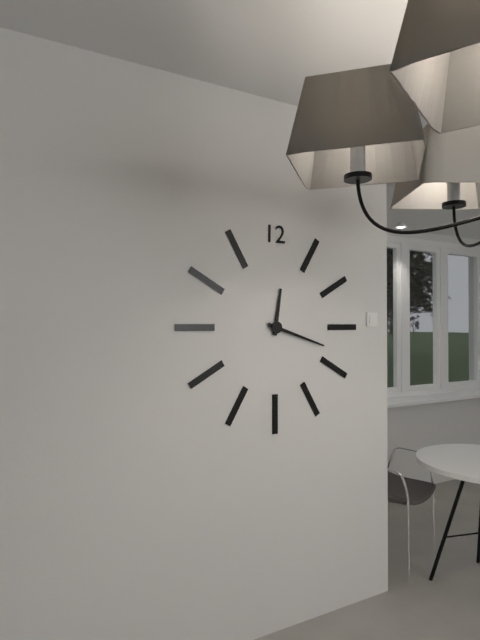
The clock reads **12:18**
